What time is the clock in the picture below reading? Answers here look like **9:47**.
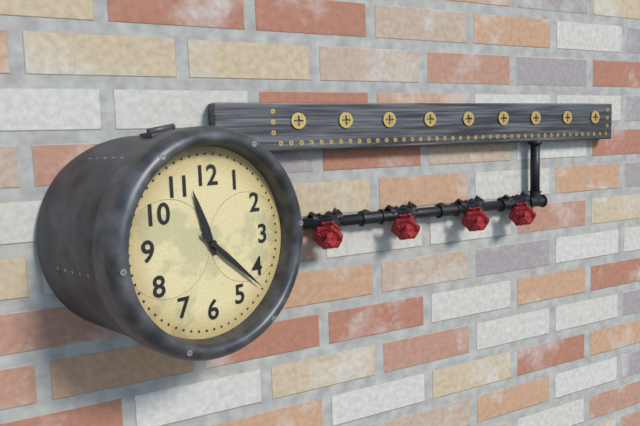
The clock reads **11:22**
